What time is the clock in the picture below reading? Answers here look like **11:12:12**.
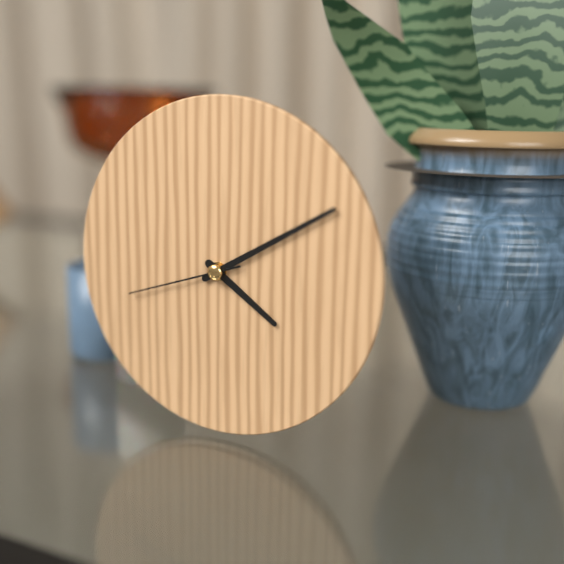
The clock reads **4:10:42**
